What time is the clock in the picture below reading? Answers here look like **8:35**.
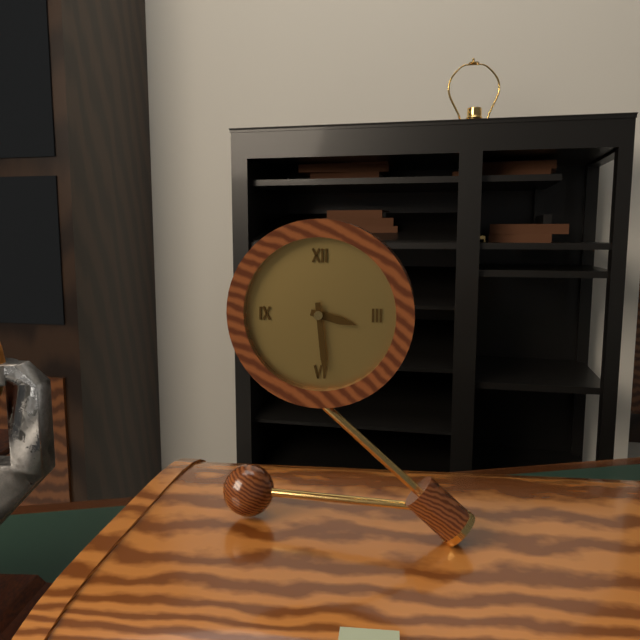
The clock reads **3:29**
